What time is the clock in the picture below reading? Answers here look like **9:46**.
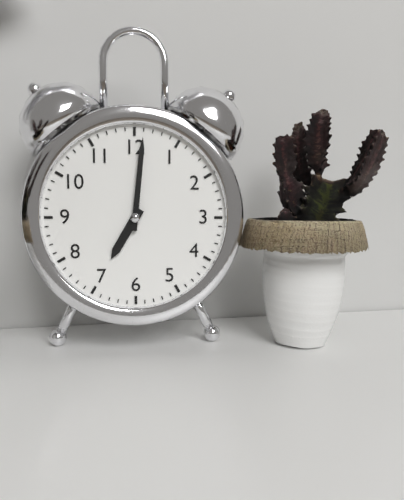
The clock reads **7:01**
